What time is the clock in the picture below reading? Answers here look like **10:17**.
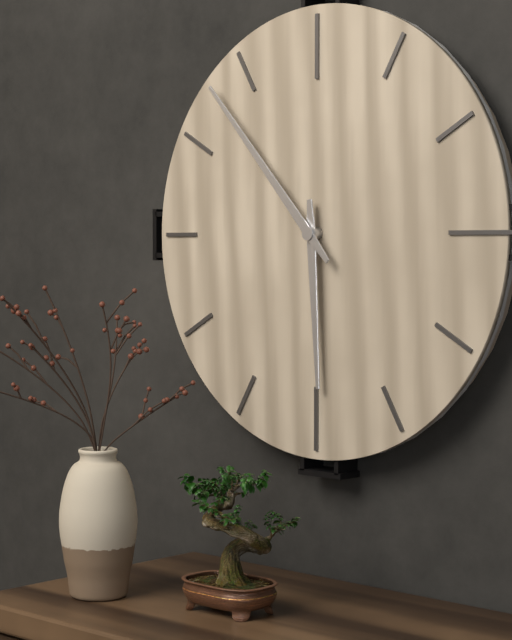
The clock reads **5:53**
